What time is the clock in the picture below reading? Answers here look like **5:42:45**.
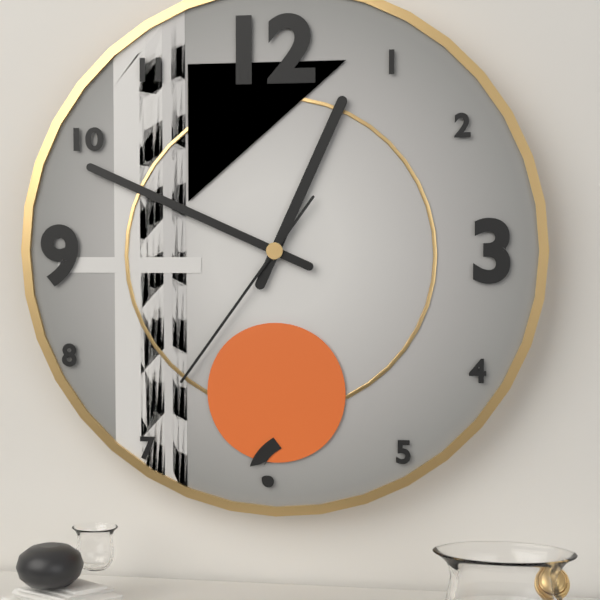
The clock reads **12:49:36**
